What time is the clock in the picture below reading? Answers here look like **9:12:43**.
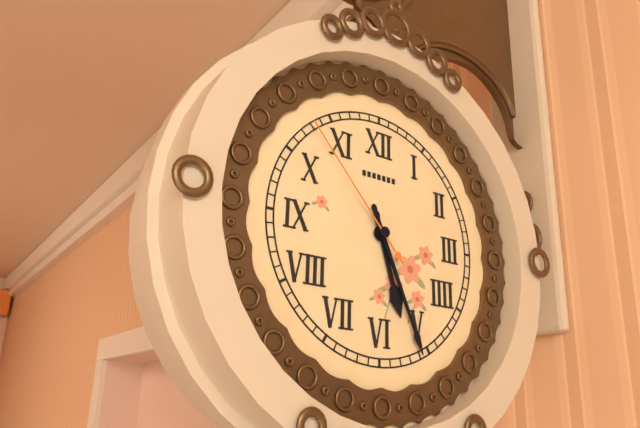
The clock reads **5:26:53**
